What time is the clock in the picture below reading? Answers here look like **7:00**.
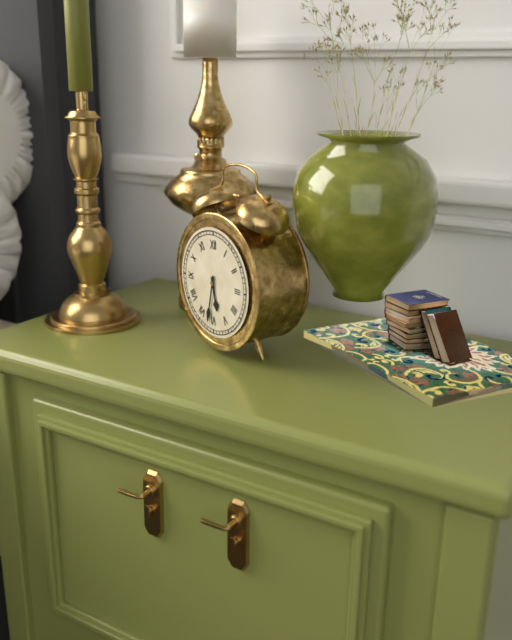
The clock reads **5:32**
